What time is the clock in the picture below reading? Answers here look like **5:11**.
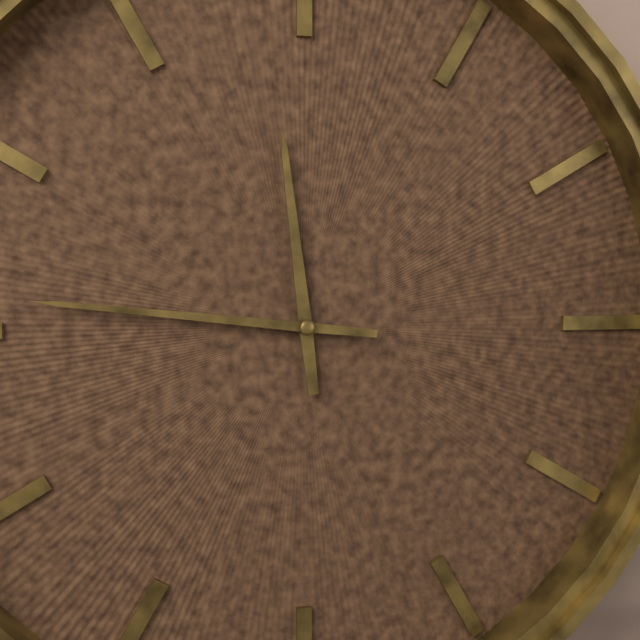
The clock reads **11:46**
